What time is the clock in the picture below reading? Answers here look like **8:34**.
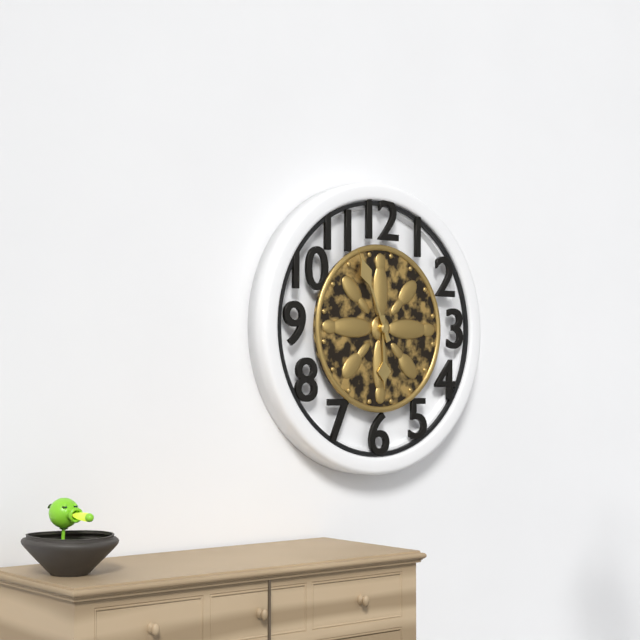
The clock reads **5:56**
